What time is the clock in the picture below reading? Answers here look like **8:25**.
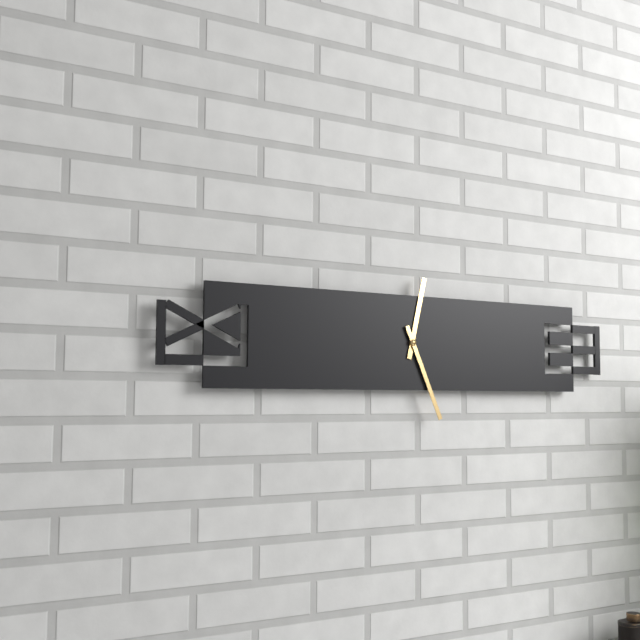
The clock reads **12:26**
